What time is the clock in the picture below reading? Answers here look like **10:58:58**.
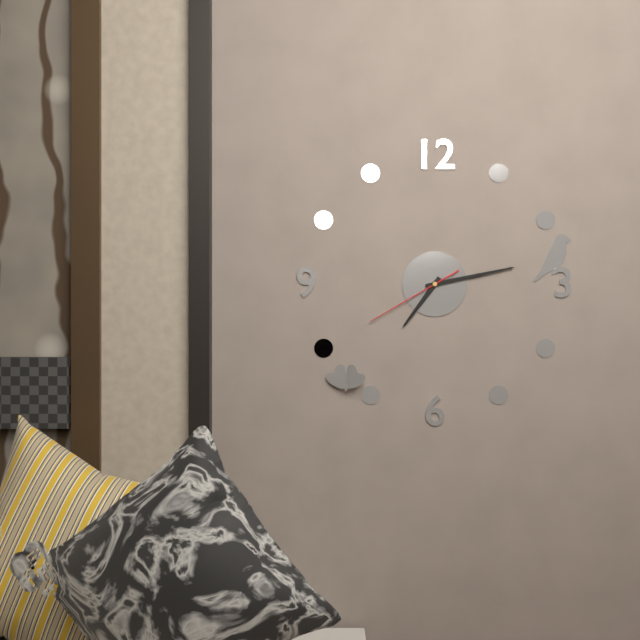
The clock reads **7:13:40**
